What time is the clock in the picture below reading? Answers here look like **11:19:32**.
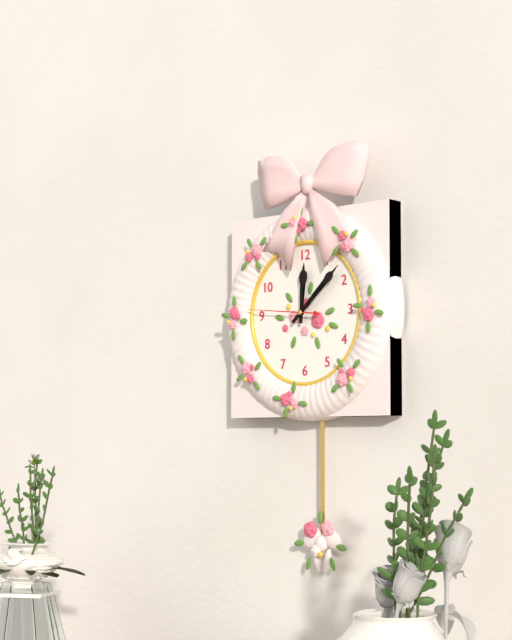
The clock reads **12:08:46**
